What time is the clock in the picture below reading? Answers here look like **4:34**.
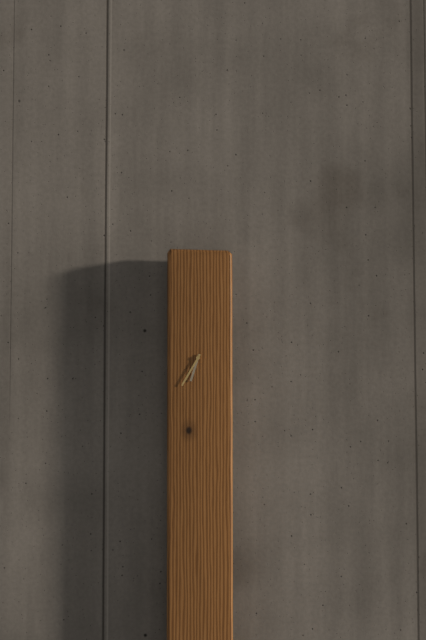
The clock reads **6:35**
